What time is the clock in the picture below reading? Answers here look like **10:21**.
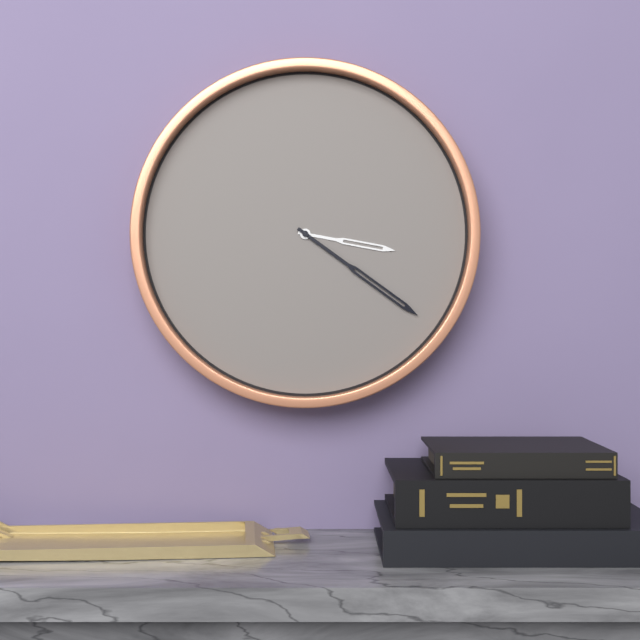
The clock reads **3:21**
